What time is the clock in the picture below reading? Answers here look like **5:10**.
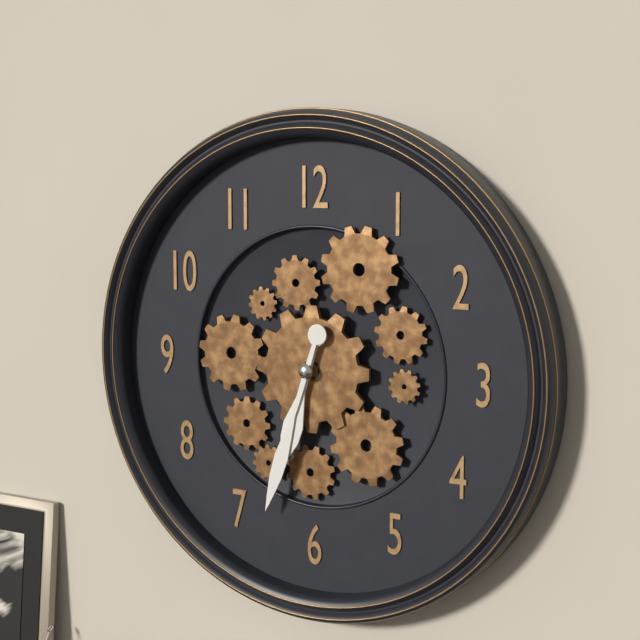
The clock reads **6:33**
